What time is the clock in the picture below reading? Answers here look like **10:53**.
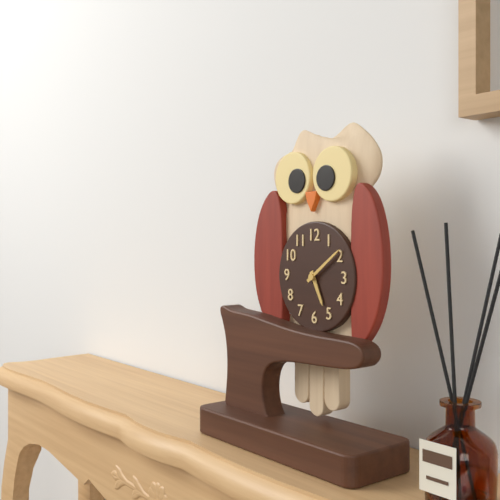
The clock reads **5:09**
